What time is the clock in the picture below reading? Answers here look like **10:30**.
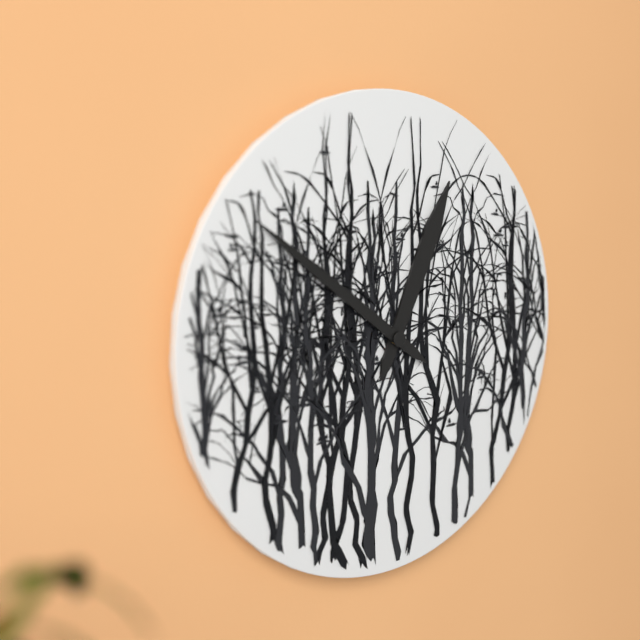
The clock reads **12:51**
